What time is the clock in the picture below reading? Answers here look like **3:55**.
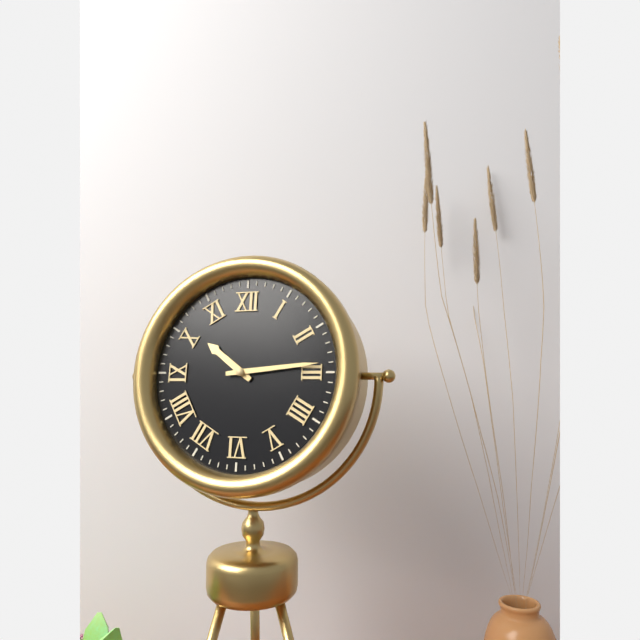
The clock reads **10:14**
